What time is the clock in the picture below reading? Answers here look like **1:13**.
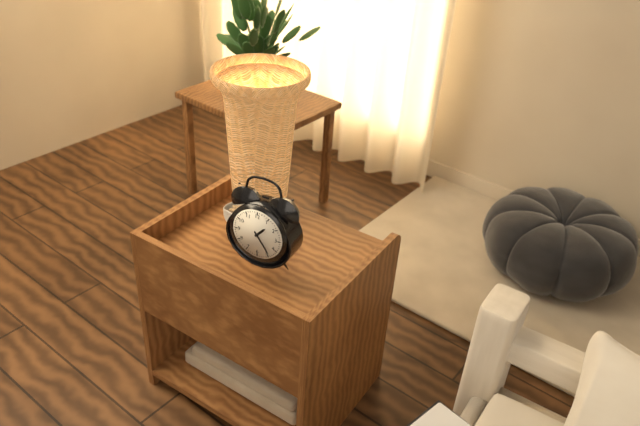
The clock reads **1:24**
